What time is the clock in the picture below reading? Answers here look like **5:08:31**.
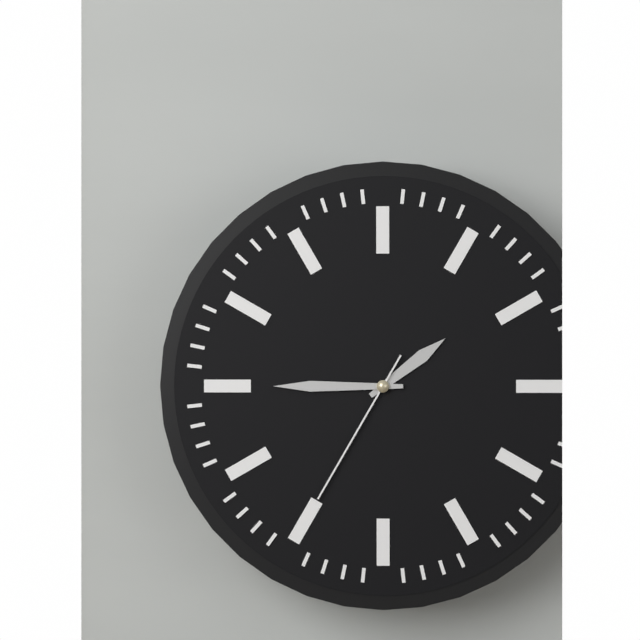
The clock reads **1:45:35**
